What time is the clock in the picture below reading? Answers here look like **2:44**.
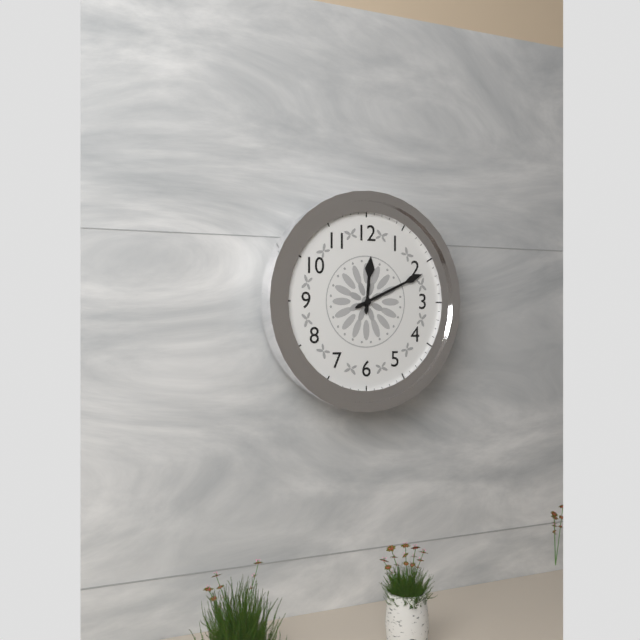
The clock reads **12:11**
